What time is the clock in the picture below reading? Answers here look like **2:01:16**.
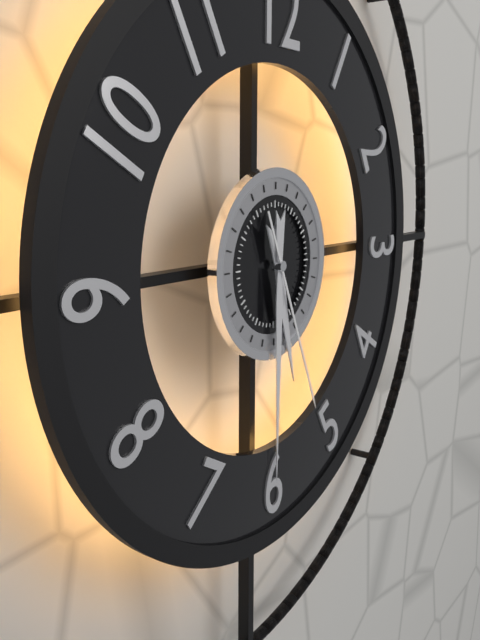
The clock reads **5:30:26**
